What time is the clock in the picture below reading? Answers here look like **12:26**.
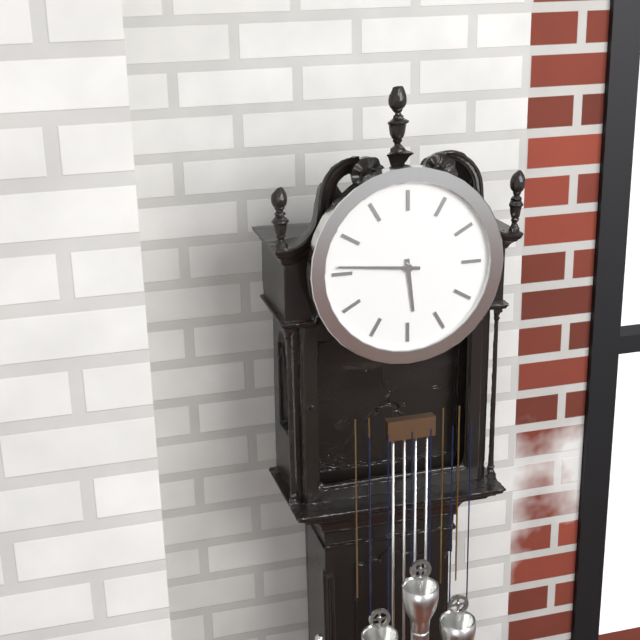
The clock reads **5:46**
